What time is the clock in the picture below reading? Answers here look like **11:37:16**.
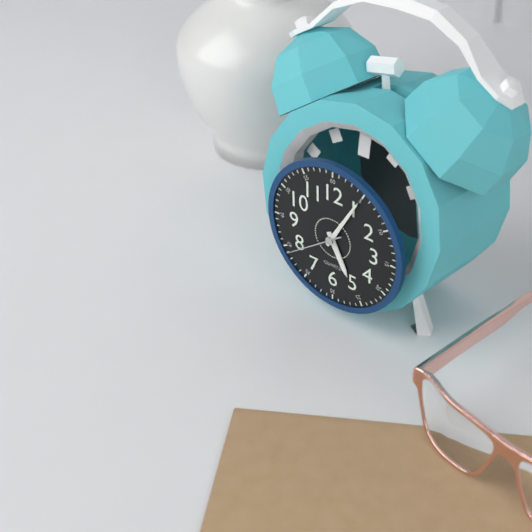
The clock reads **5:05:39**
